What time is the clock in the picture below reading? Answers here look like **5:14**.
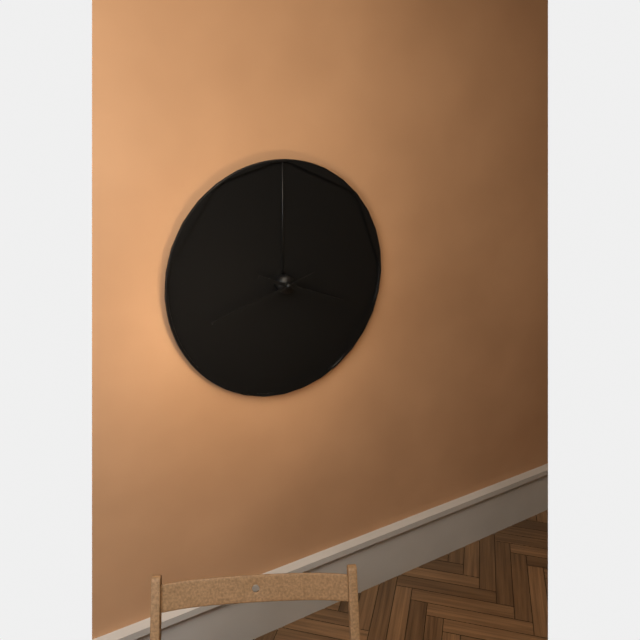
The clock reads **3:42**
